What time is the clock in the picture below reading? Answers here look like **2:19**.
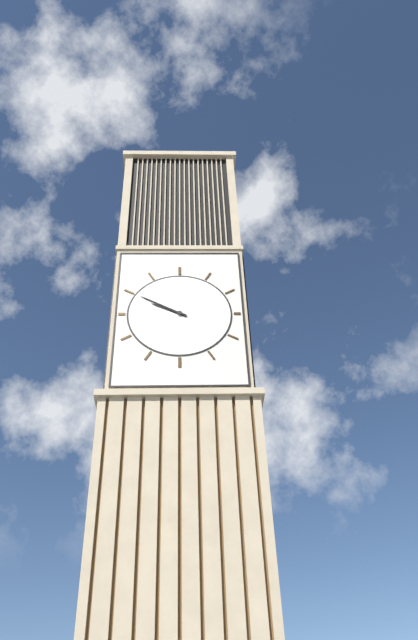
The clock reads **9:50**
